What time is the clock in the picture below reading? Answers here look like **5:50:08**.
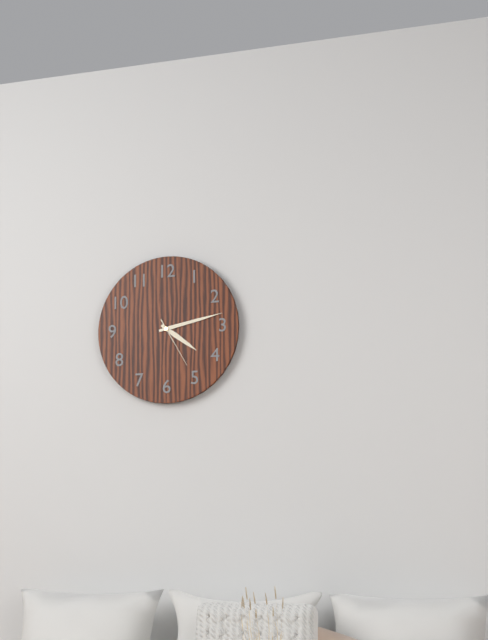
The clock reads **4:13:25**
